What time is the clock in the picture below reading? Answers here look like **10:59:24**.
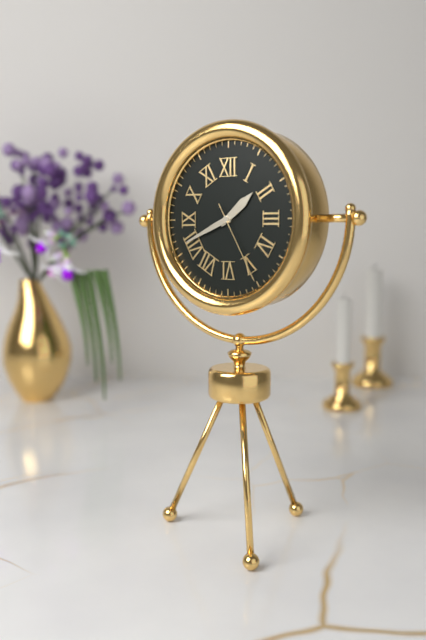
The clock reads **1:41:25**
